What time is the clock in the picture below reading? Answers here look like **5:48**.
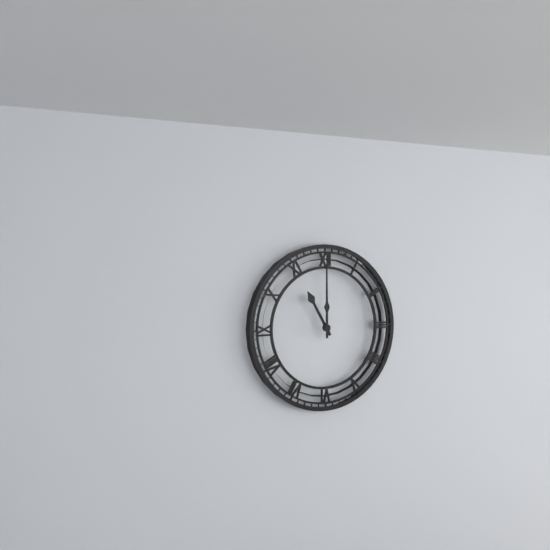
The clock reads **11:00**
